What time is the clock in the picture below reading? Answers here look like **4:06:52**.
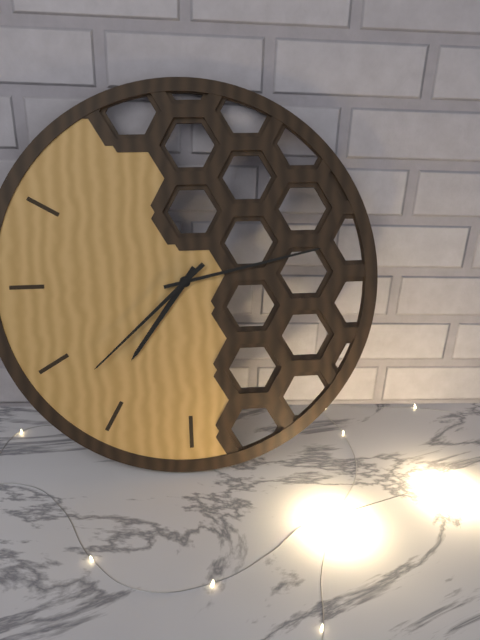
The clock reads **7:13:38**
